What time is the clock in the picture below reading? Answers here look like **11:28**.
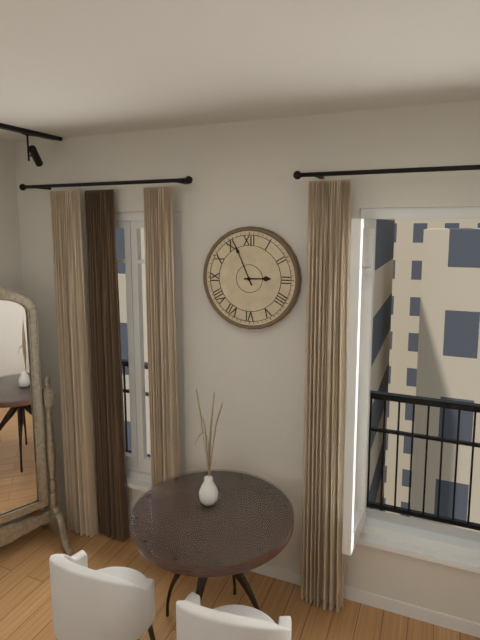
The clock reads **2:56**
